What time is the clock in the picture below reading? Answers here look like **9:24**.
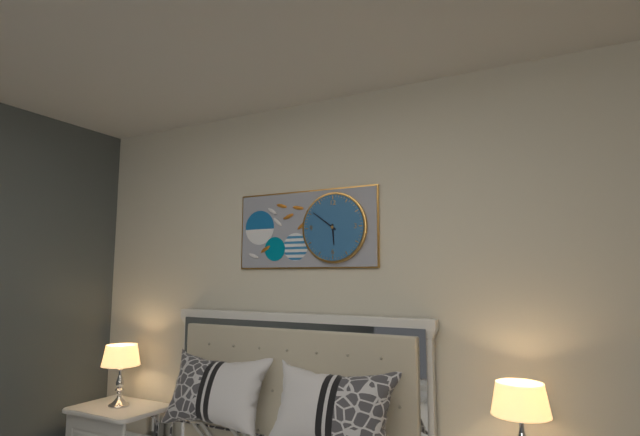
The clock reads **5:51**
